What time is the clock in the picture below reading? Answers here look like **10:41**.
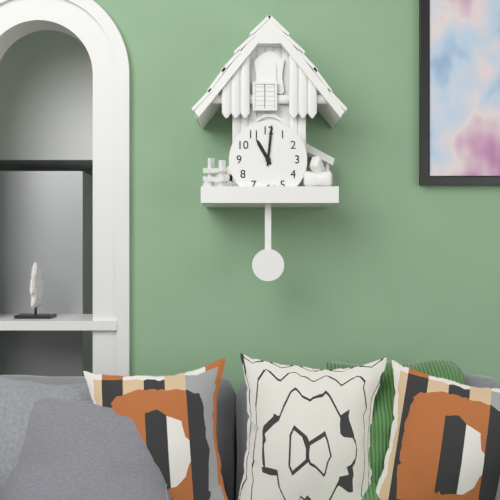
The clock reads **11:01**
